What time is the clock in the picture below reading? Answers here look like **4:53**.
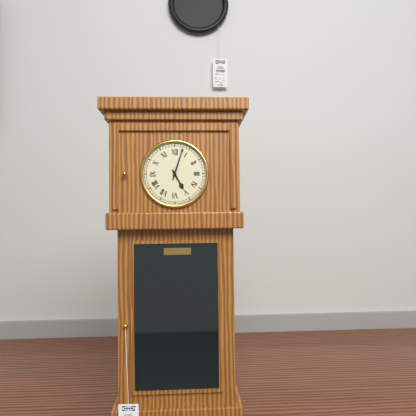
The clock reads **5:03**
